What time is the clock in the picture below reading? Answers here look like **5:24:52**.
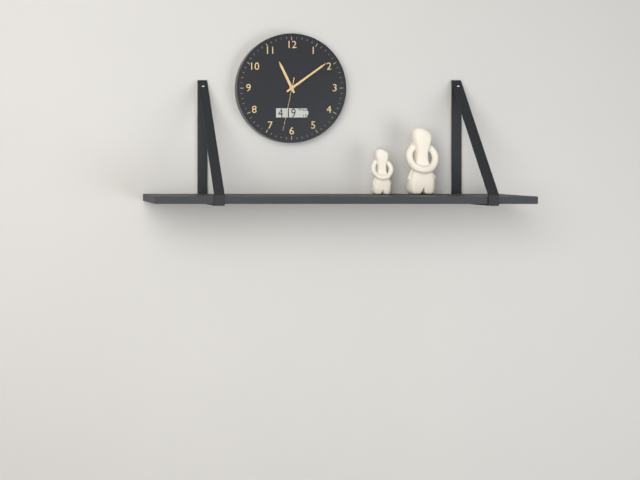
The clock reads **11:09:32**
